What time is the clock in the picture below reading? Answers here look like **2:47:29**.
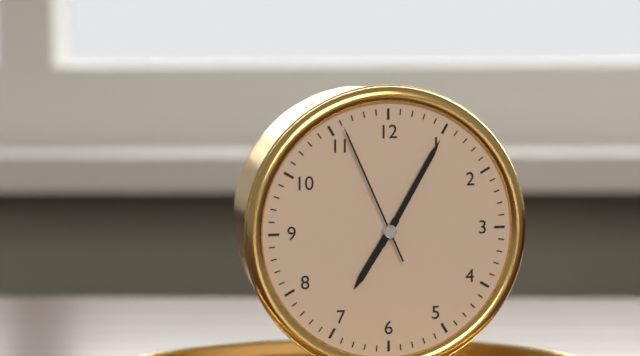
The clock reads **7:05:56**
